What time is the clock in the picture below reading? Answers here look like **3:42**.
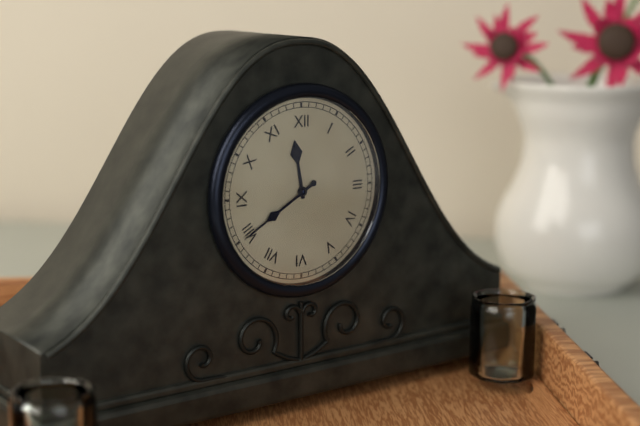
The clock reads **11:40**
